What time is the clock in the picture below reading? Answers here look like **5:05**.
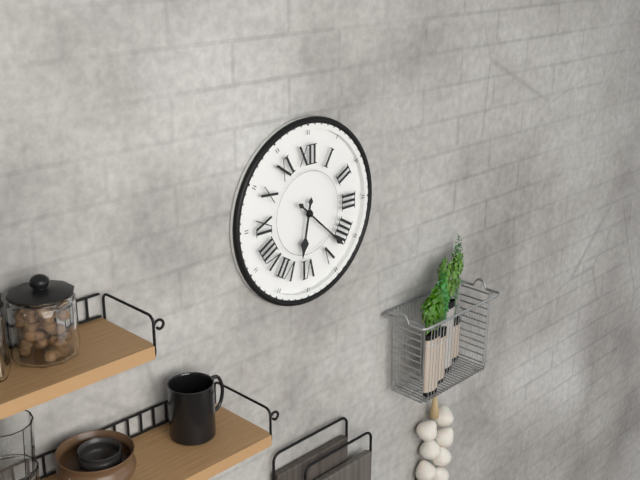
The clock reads **6:22**
